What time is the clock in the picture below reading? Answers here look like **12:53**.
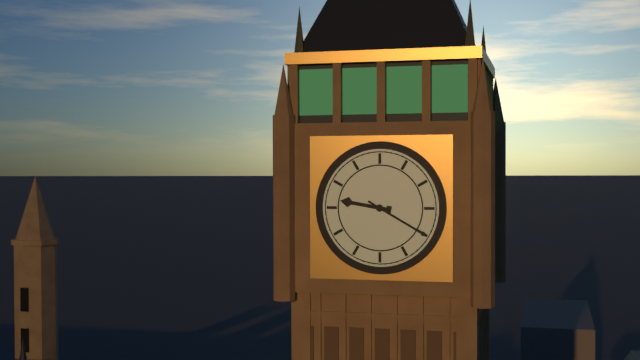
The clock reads **9:20**
